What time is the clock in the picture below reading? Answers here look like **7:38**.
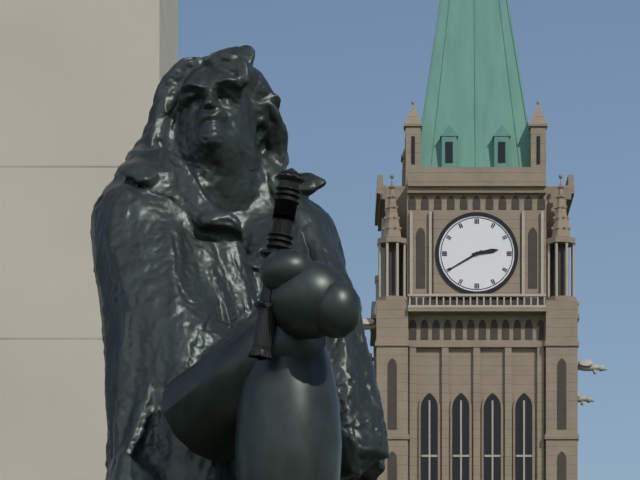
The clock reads **2:40**
